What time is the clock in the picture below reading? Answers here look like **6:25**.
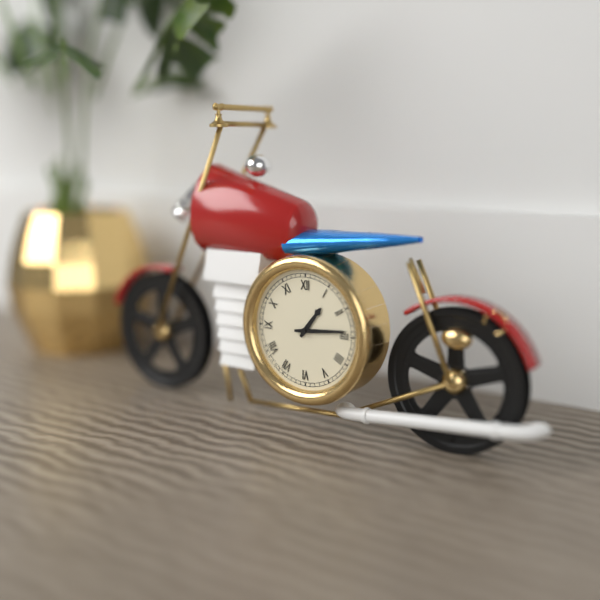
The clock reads **1:14**
